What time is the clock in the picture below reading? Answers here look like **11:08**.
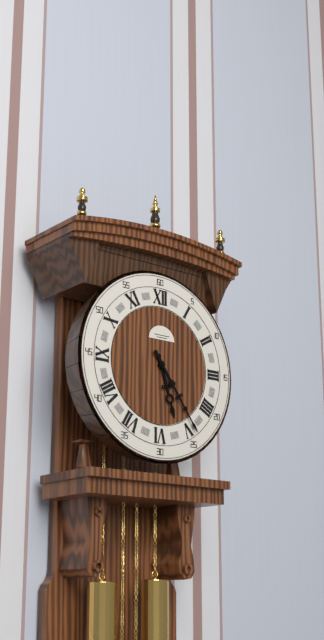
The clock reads **5:24**
